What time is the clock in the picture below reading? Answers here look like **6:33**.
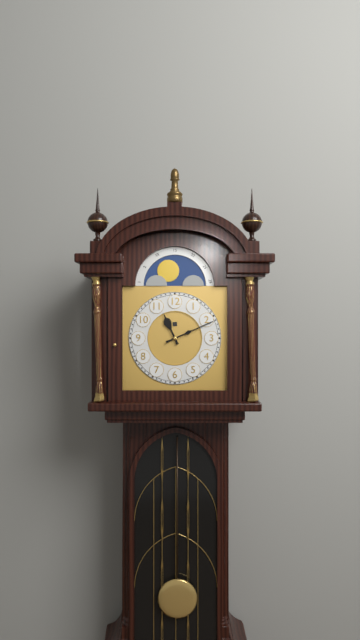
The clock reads **11:11**
